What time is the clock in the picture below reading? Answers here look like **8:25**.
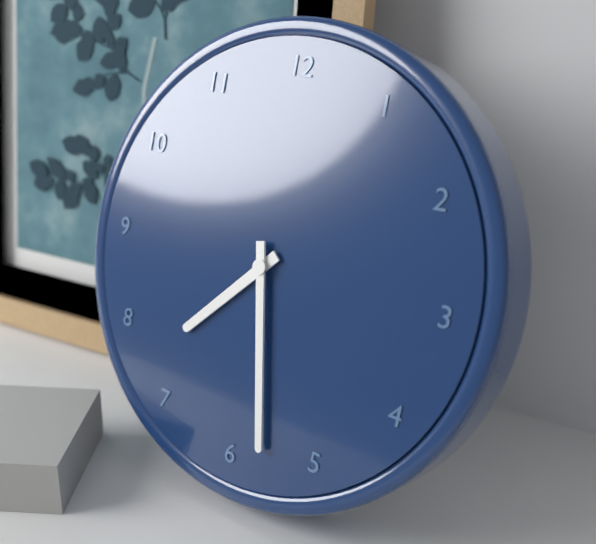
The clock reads **7:28**
